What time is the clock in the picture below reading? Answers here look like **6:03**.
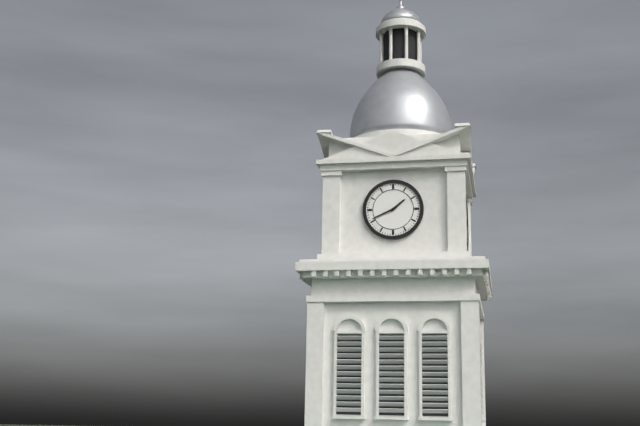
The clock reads **1:41**
